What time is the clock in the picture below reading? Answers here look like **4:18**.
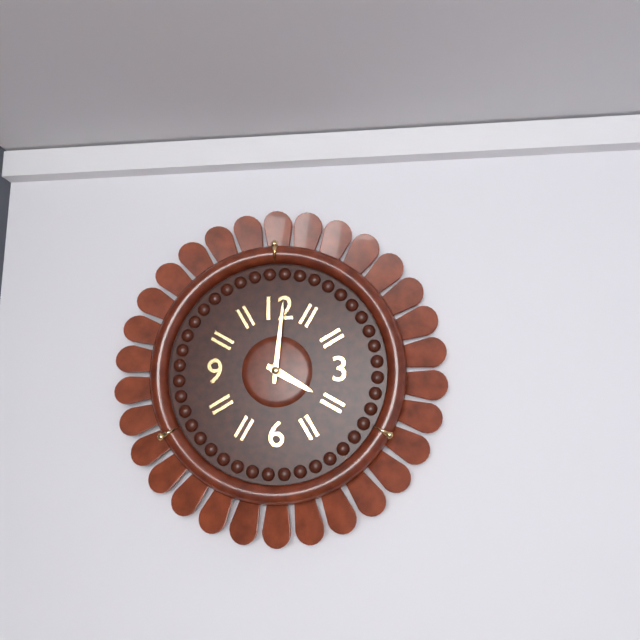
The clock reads **4:01**
